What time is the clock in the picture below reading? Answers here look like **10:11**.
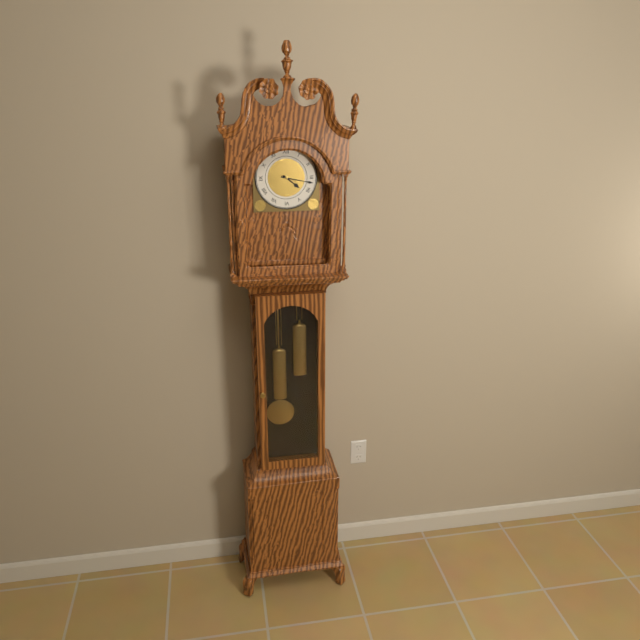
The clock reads **4:17**
